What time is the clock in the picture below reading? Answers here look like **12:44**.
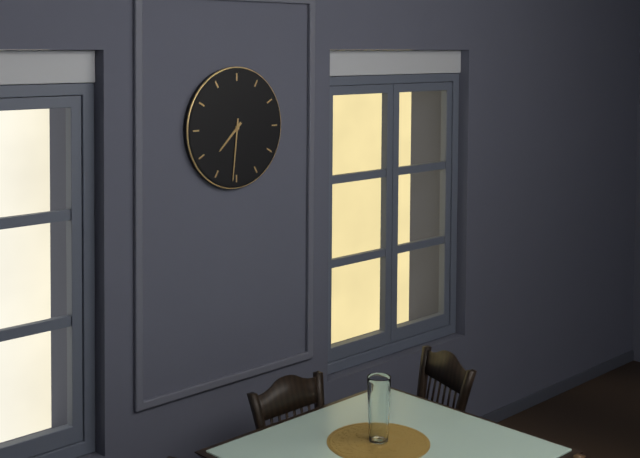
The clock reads **7:31**
